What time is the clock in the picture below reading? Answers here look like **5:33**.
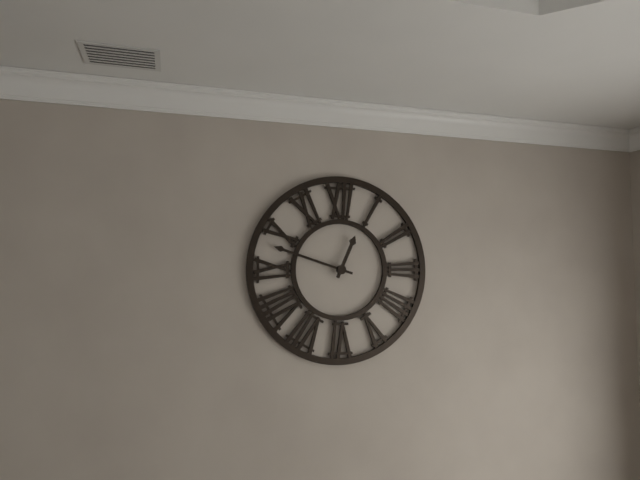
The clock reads **12:48**
